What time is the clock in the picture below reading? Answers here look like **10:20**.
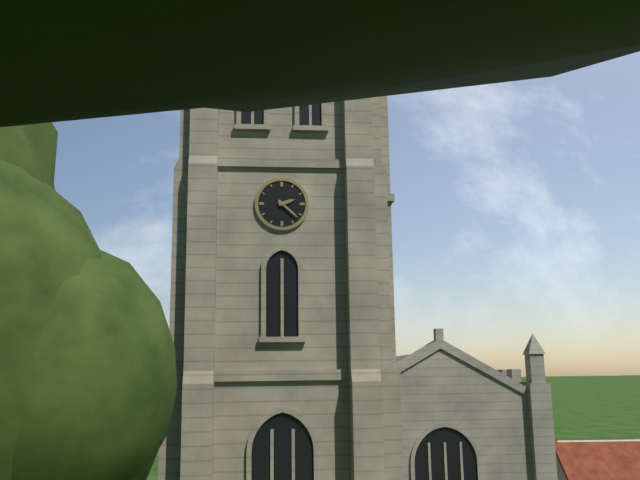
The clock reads **2:22**
